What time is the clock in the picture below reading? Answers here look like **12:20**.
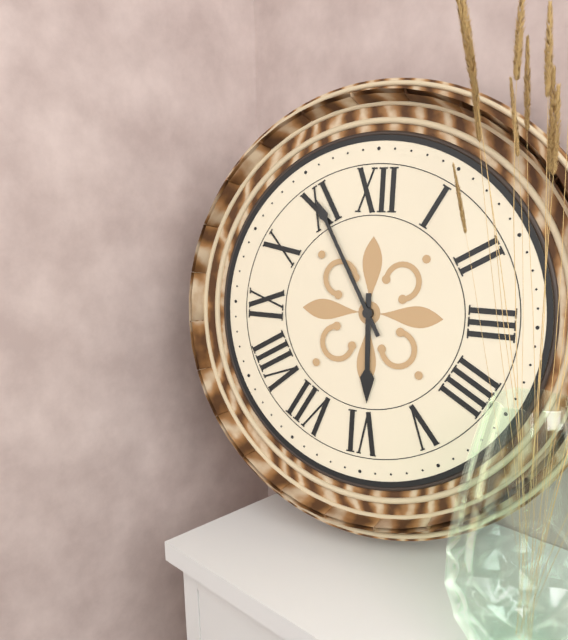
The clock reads **5:55**
